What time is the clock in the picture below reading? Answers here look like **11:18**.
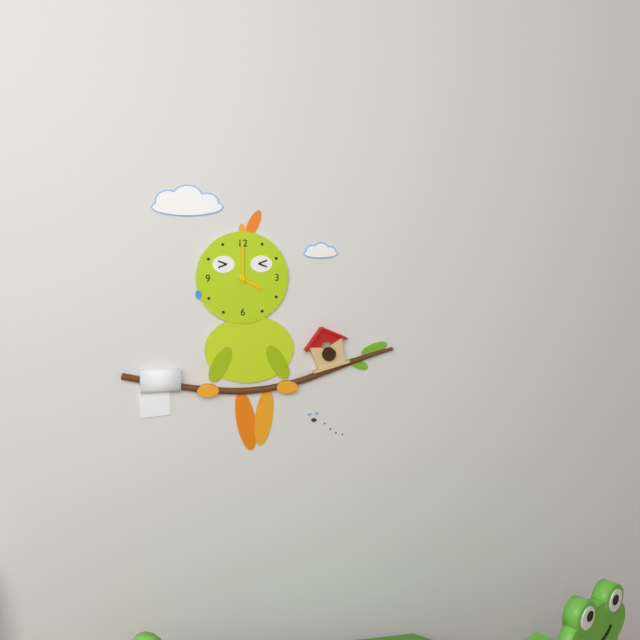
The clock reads **4:00**
